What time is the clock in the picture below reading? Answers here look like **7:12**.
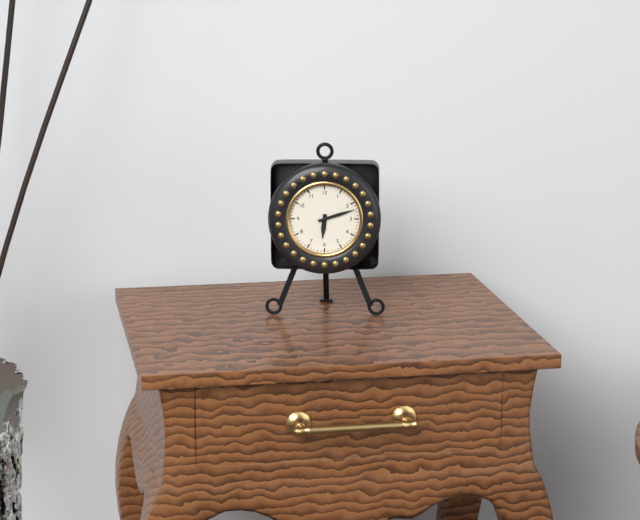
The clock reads **6:12**
